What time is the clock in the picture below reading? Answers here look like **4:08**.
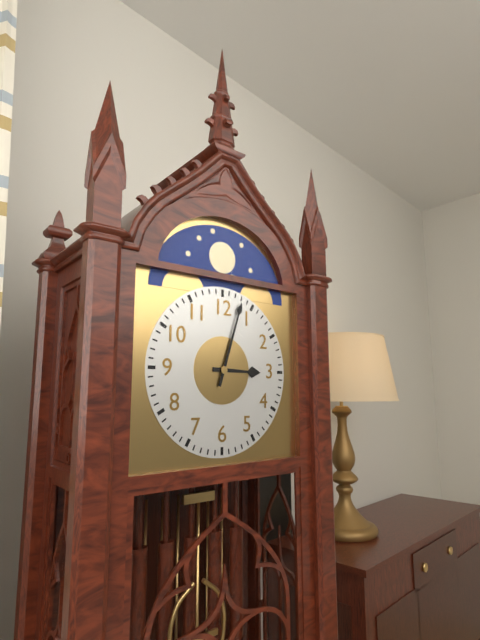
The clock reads **3:03**
